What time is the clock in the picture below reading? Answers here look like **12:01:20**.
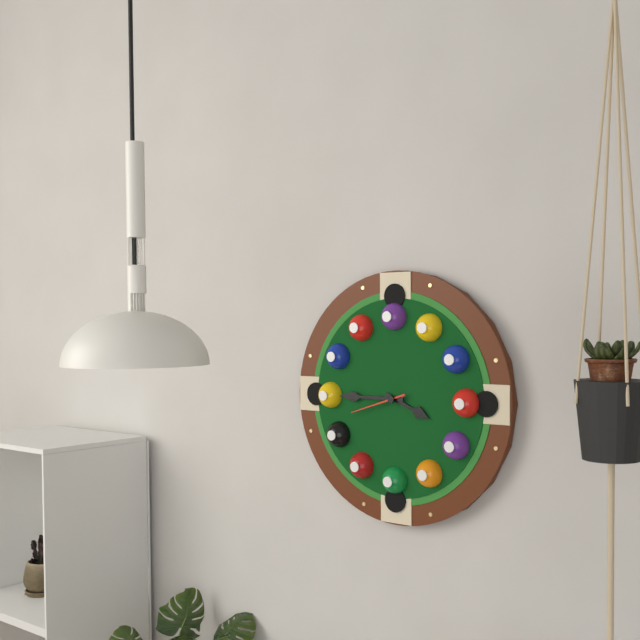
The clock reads **3:45:42**
